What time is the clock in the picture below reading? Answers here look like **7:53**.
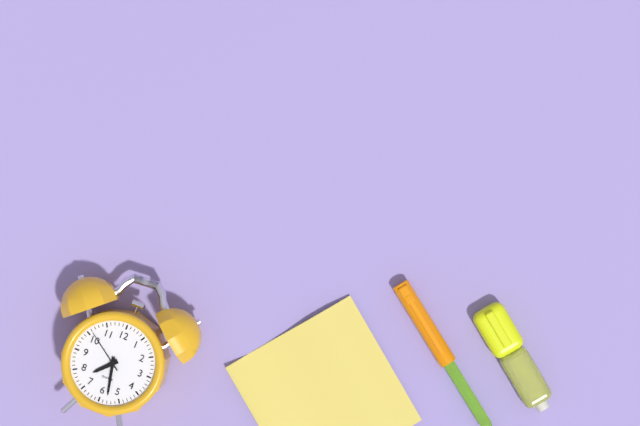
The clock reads **7:28**
